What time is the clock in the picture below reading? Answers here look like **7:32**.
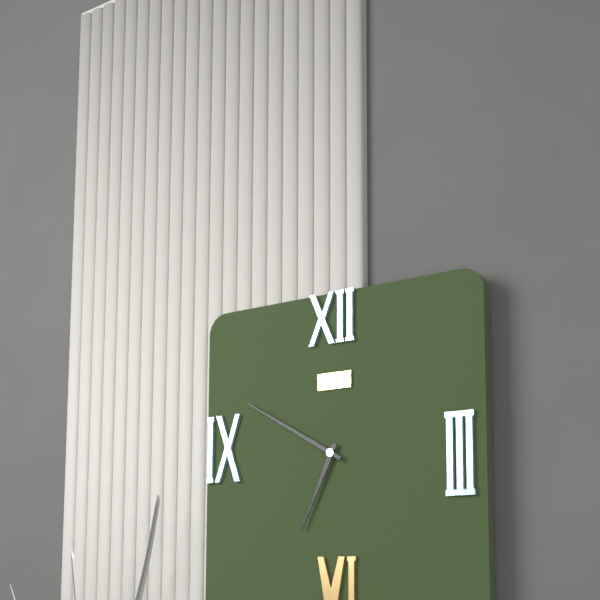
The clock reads **6:50**
